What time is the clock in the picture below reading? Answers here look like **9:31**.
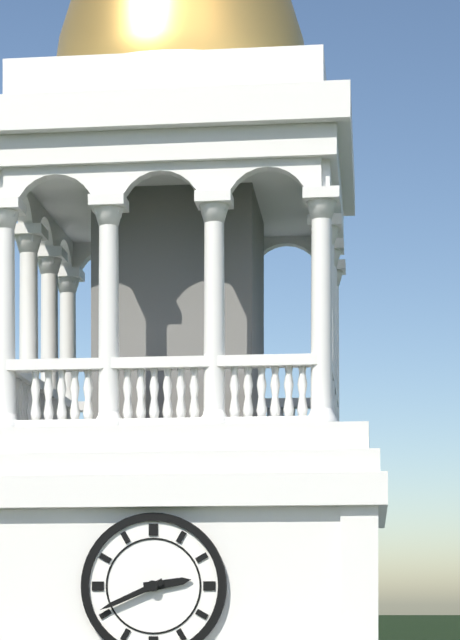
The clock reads **2:41**
